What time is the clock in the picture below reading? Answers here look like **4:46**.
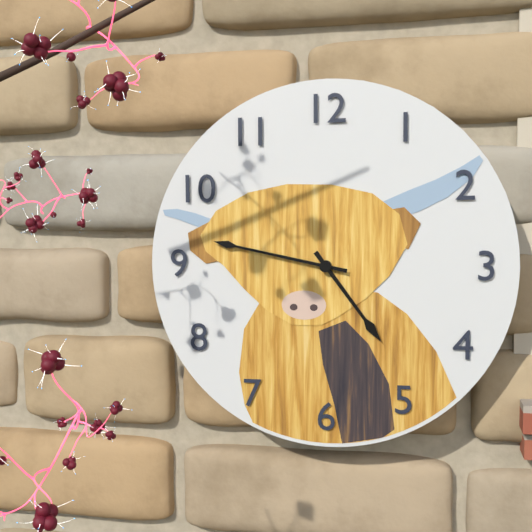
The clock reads **4:47**
